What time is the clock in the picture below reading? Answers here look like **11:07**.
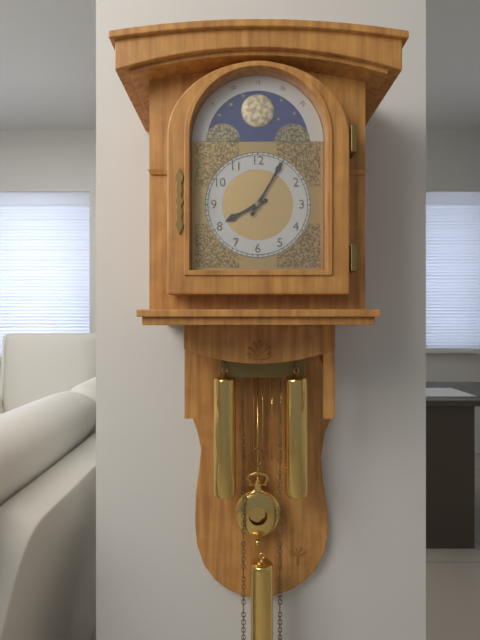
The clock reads **8:05**
